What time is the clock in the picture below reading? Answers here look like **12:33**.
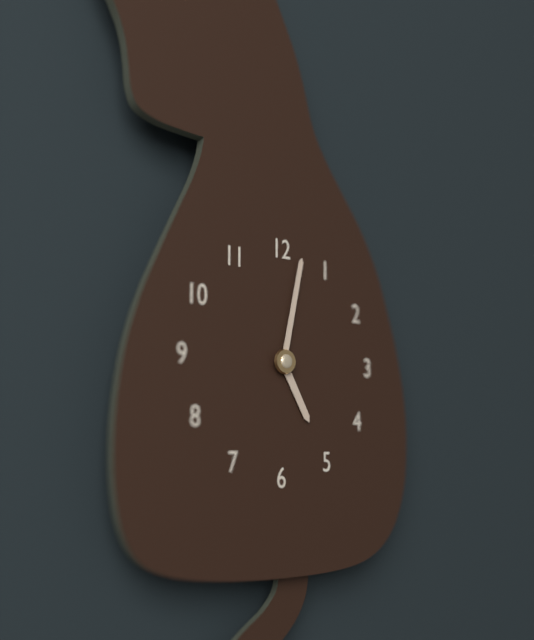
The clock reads **5:02**
